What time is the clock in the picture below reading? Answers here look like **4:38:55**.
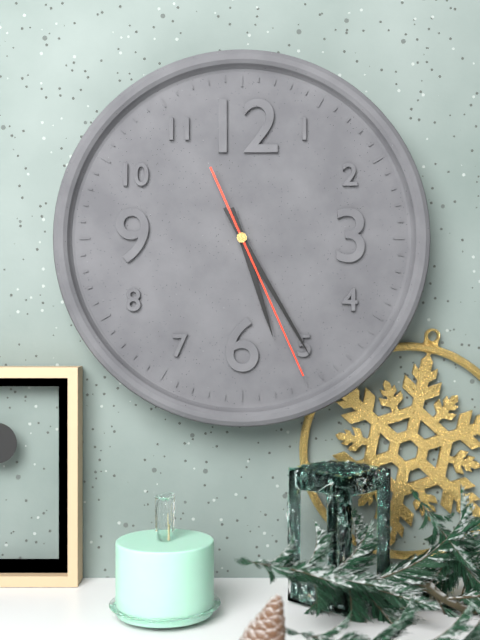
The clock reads **5:25:26**
